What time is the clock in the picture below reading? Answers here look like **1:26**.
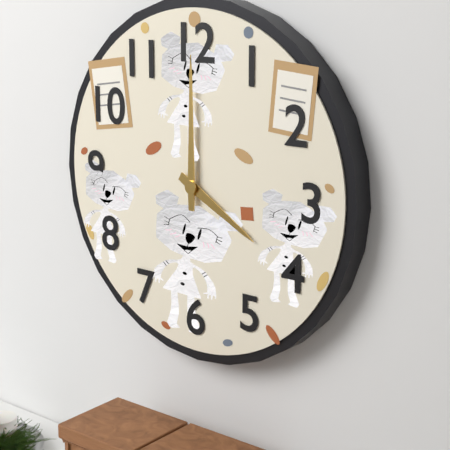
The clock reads **4:00**
